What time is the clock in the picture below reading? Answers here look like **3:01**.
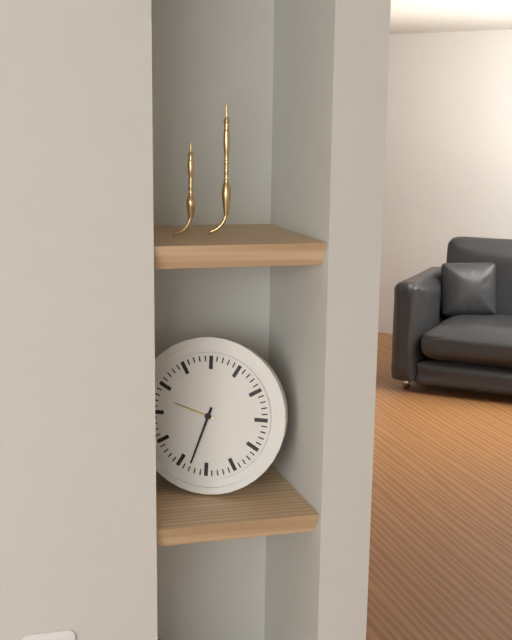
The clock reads **9:33**
